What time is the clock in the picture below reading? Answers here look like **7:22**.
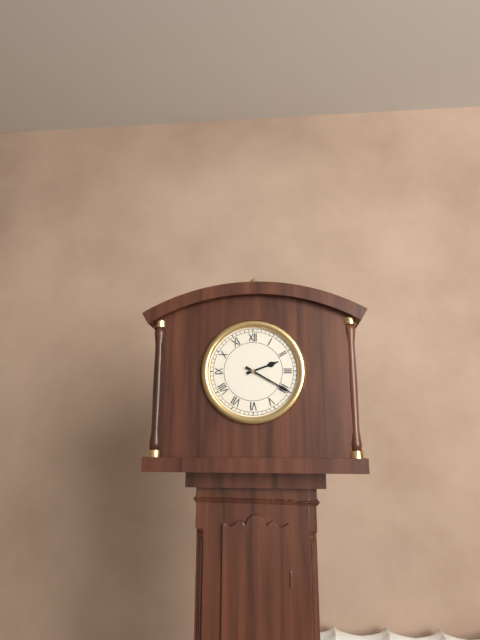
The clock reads **2:20**
